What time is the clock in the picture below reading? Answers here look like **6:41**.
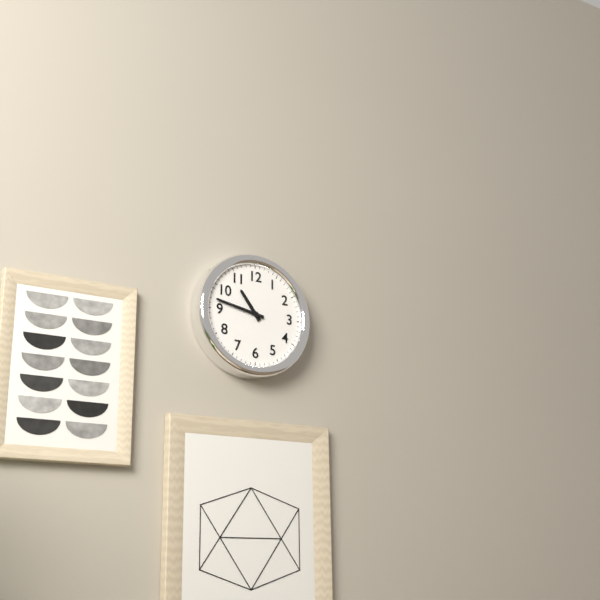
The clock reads **10:47**
